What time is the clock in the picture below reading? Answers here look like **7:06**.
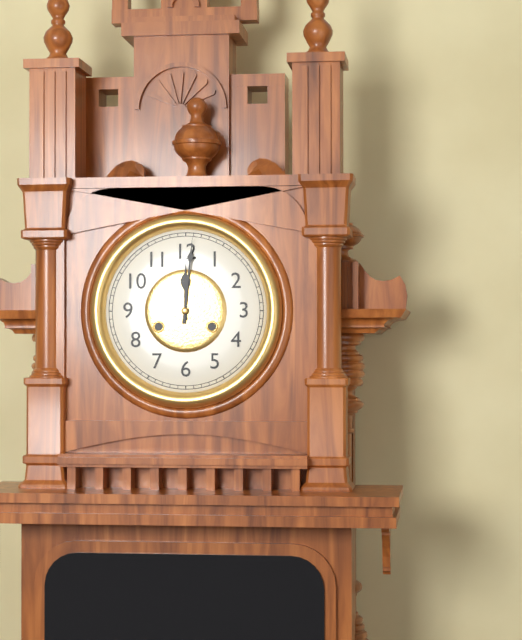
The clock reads **12:01**
